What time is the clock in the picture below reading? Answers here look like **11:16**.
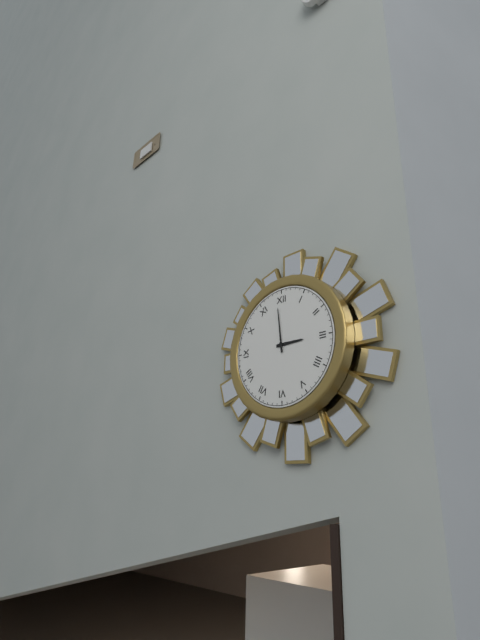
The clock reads **2:59**
